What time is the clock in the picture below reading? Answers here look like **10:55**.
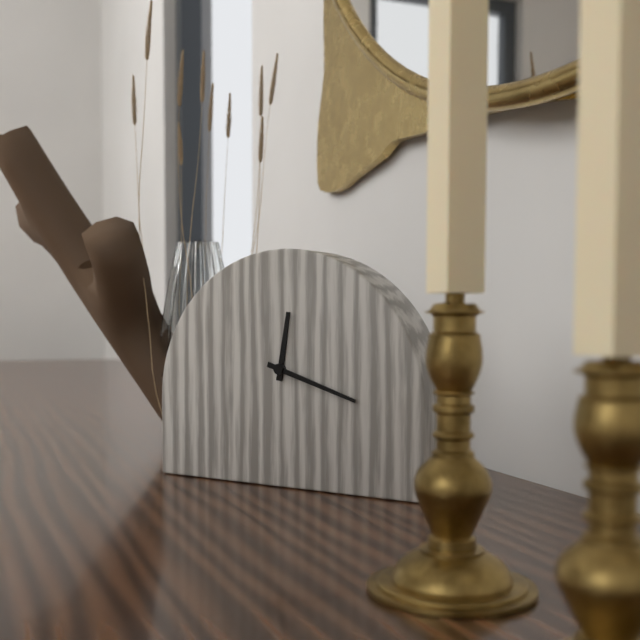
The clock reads **12:18**
